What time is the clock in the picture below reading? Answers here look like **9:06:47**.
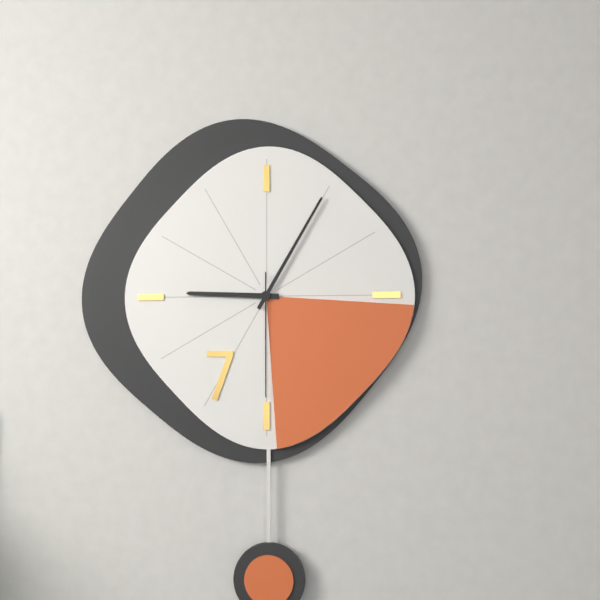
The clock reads **9:05:30**
